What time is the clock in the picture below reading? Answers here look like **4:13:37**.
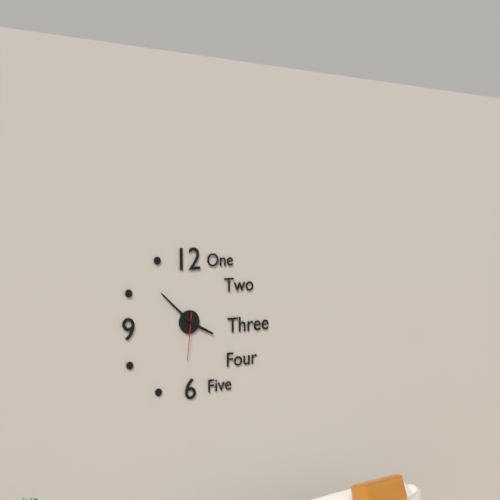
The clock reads **3:52:31**
